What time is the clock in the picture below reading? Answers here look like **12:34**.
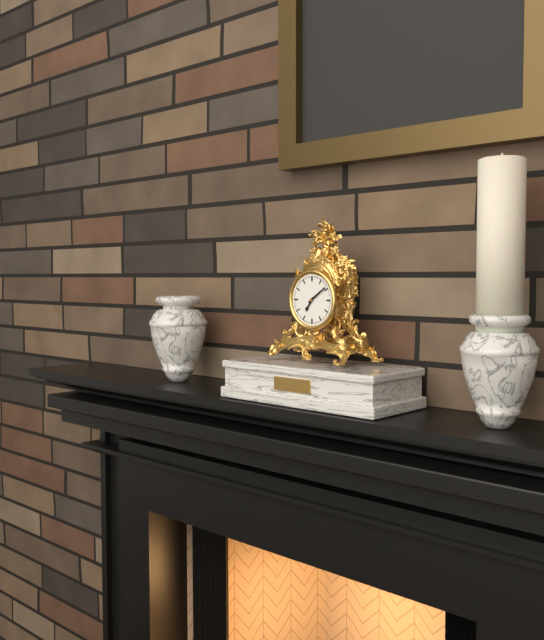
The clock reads **7:09**
